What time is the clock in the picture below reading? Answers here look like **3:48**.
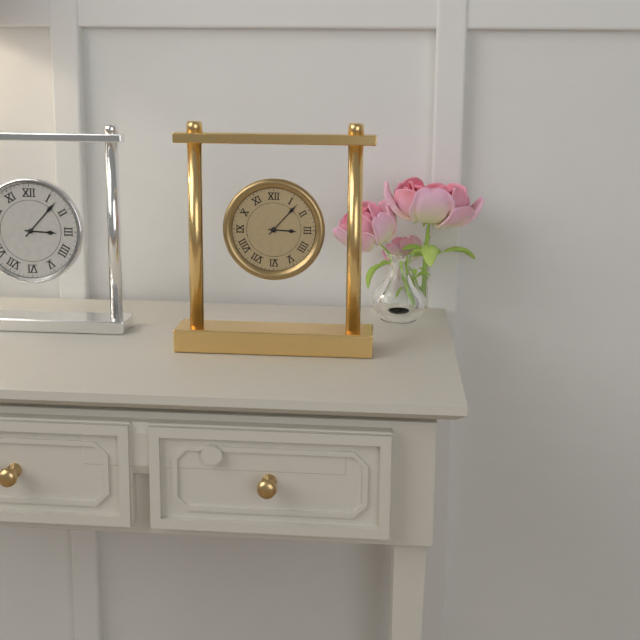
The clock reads **3:07**
